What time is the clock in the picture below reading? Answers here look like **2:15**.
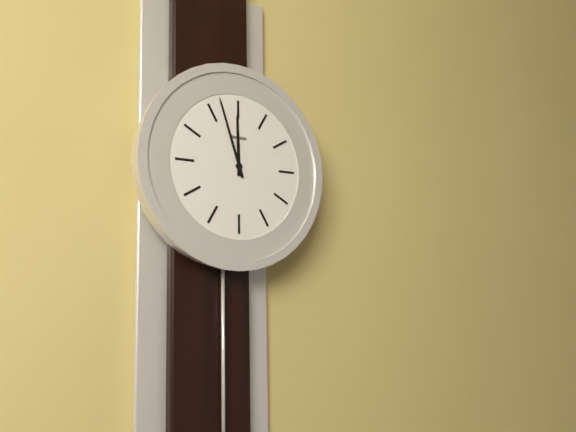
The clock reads **11:57**
